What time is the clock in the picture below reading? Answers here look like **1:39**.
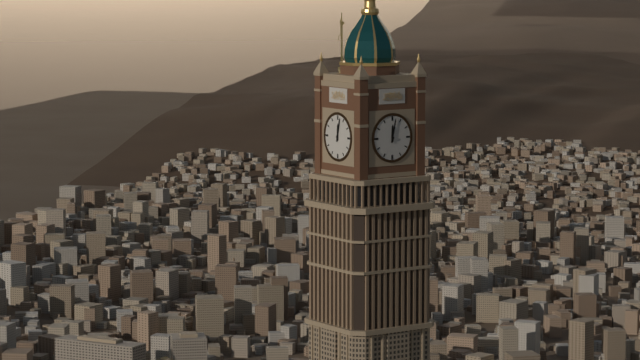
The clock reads **12:02**
